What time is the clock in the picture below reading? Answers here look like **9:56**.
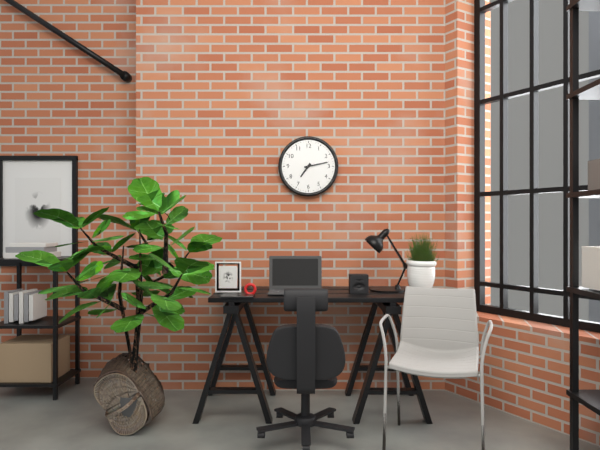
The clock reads **7:13**
